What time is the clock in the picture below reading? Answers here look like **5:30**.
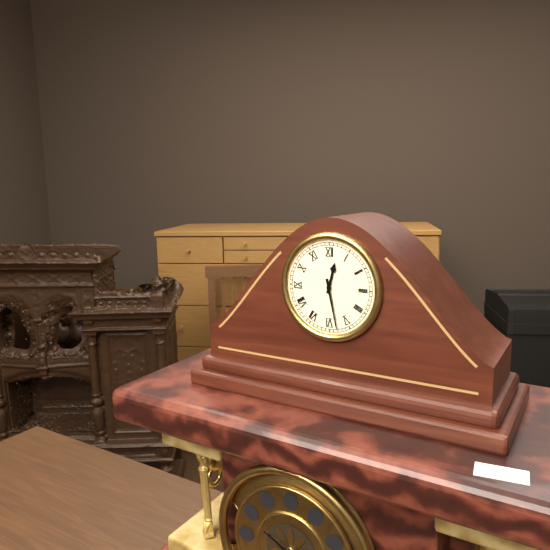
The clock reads **12:28**
